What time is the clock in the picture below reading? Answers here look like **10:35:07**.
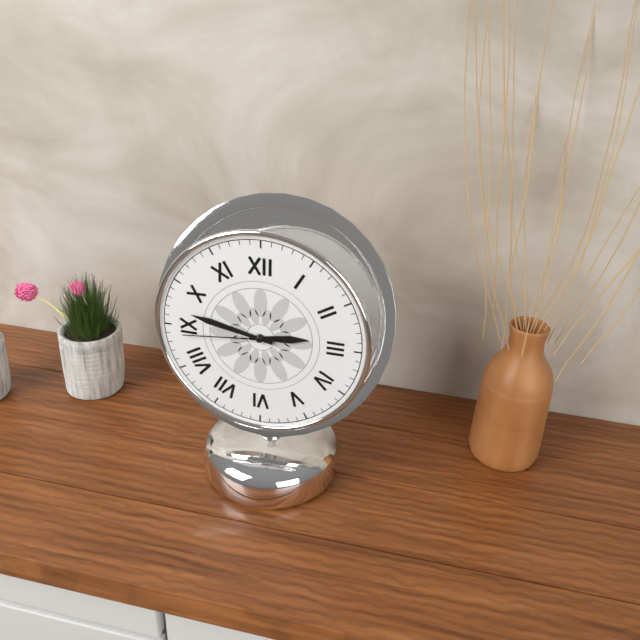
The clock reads **2:47:44**
